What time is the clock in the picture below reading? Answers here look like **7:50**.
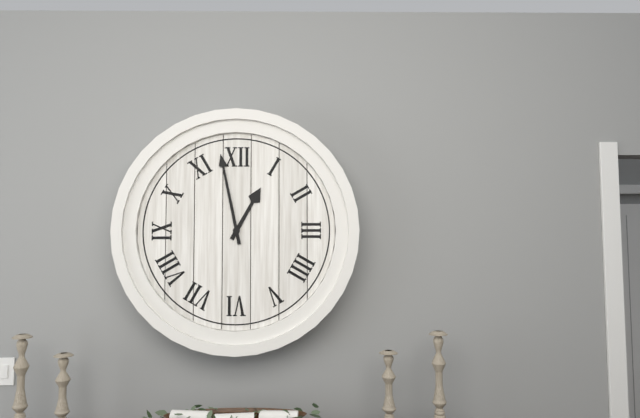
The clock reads **12:58**
